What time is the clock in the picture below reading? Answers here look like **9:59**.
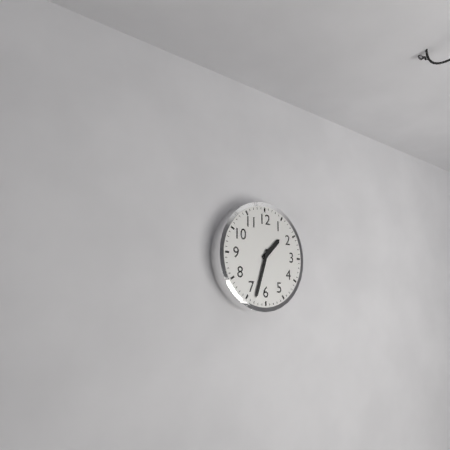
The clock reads **1:33**
